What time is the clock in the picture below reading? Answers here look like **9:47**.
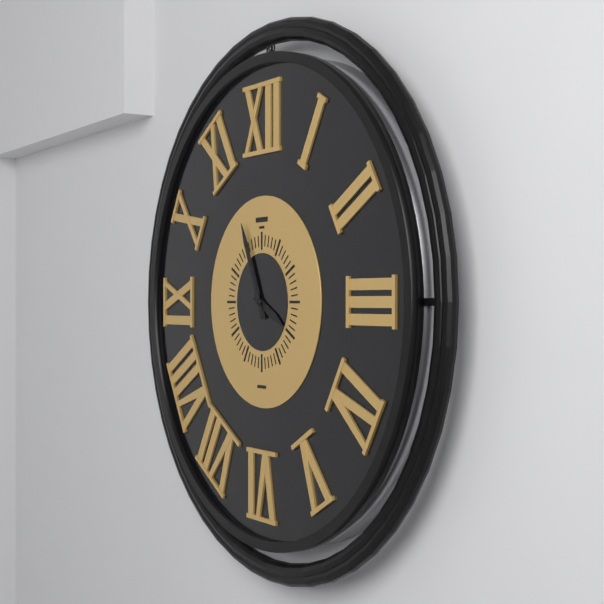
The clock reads **3:56**
